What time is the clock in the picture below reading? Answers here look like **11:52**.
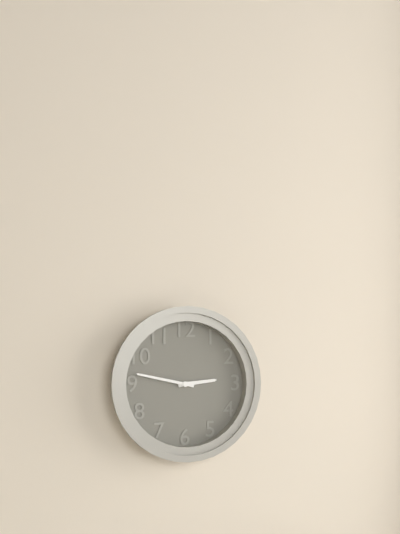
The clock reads **2:47**
